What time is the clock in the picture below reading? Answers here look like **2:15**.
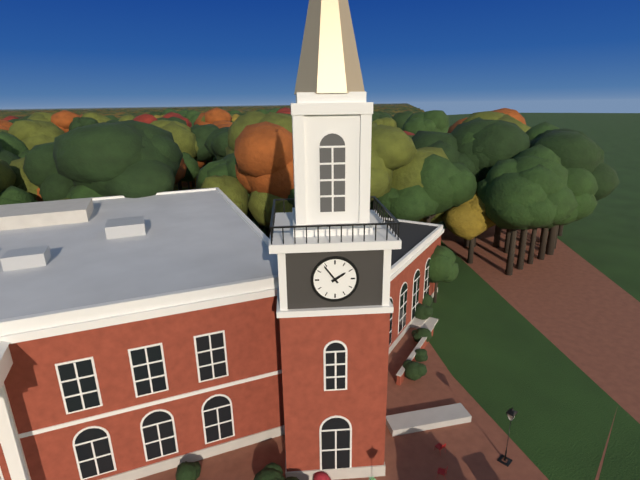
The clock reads **1:54**
